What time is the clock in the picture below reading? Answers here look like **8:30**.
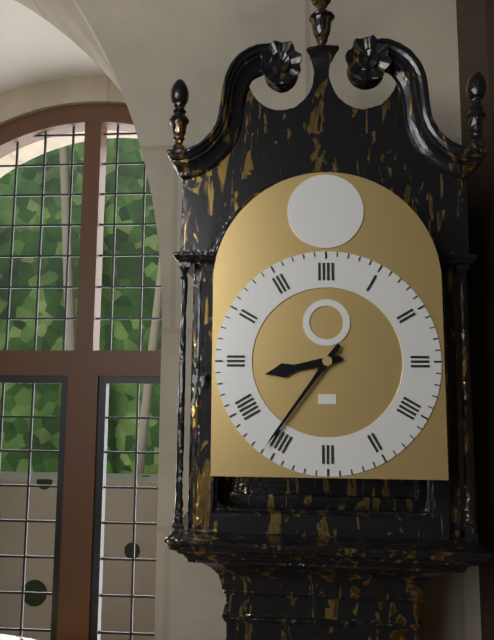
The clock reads **8:36**
